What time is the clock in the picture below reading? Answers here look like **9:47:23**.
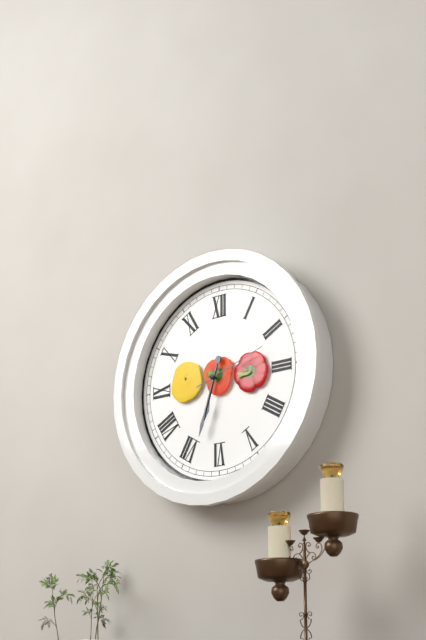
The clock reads **6:33:12**
